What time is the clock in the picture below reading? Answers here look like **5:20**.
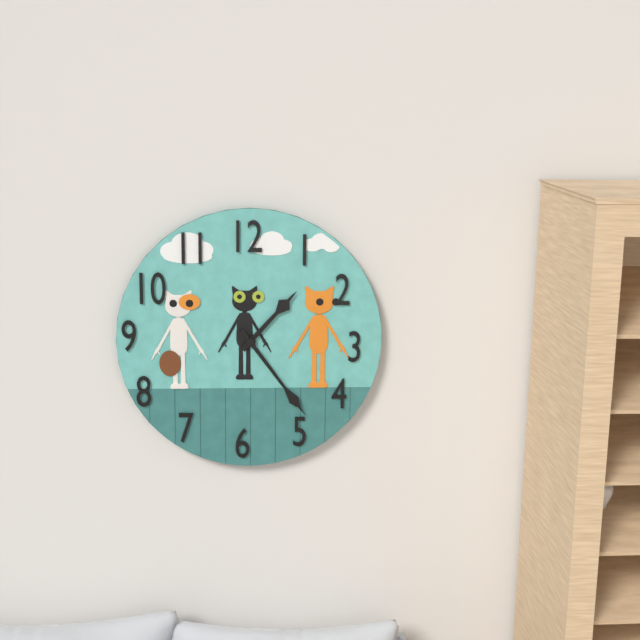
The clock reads **1:24**
